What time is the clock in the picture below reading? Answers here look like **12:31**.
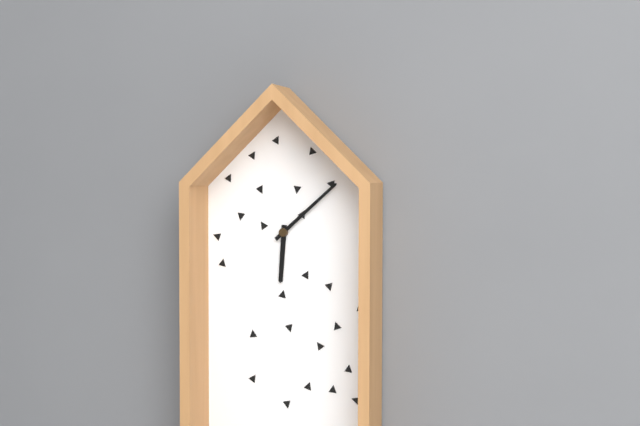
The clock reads **6:08**
